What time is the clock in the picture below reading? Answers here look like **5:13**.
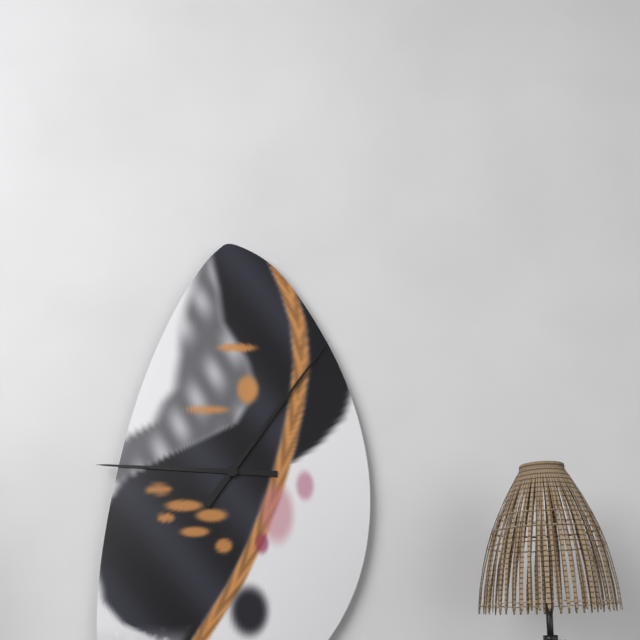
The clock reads **9:06**
